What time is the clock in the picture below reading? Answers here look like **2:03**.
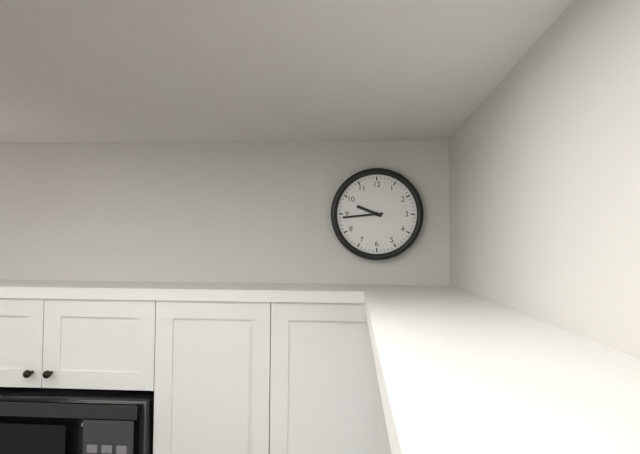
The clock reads **9:44**
